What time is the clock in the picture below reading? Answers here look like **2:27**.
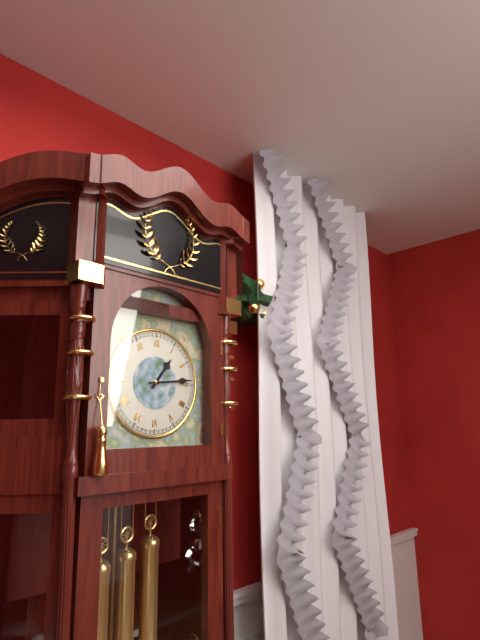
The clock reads **1:14**
